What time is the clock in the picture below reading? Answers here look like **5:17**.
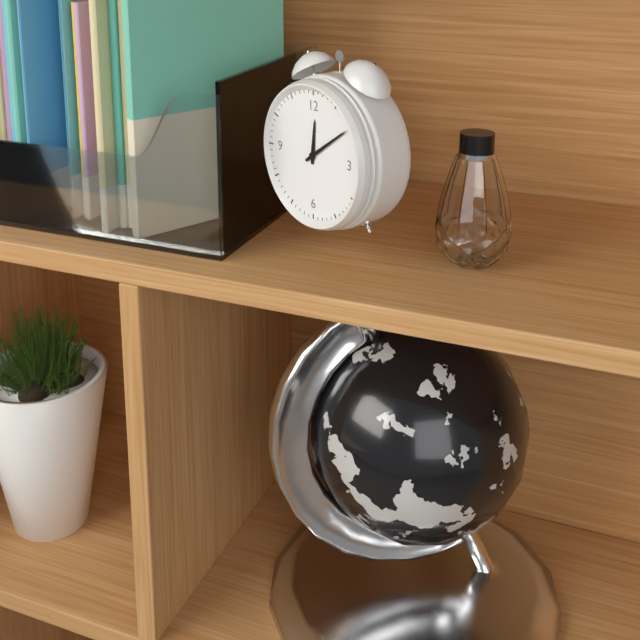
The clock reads **12:09**
